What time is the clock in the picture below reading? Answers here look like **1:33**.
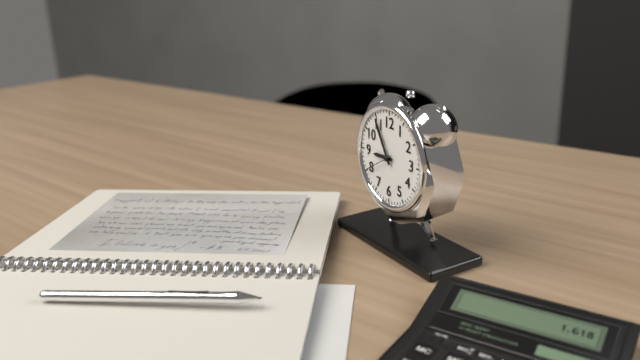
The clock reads **8:55**
